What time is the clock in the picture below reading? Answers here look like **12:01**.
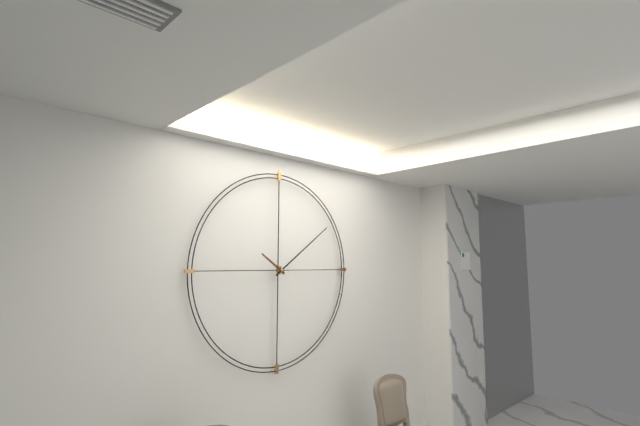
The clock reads **10:09**
